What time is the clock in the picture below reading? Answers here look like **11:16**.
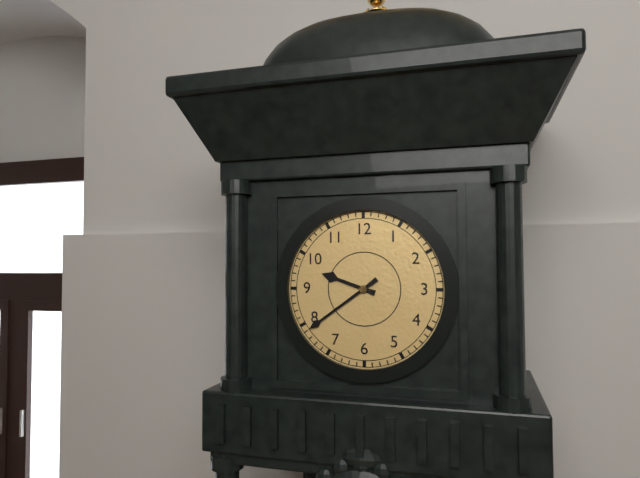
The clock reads **9:39**
